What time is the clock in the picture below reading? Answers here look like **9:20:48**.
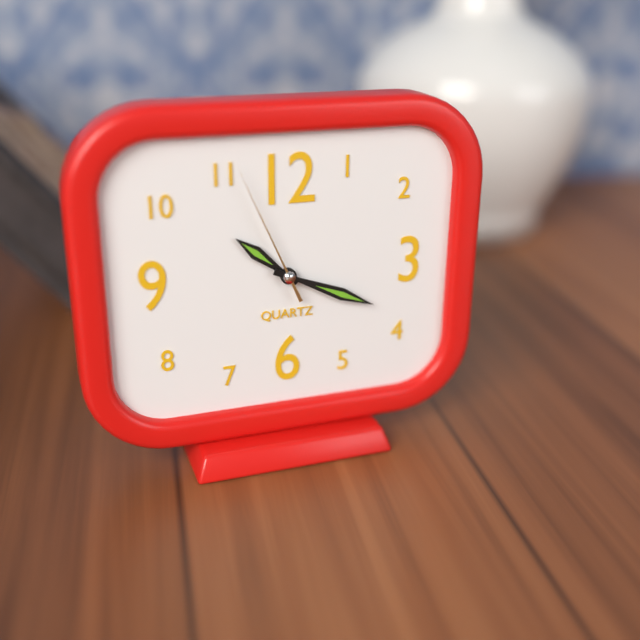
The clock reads **10:19:56**
